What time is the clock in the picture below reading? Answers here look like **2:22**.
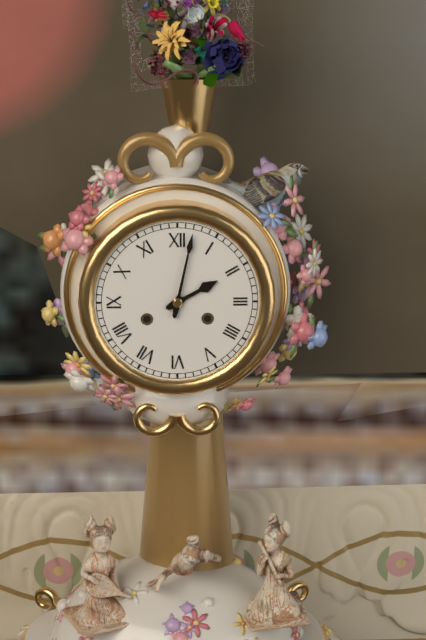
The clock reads **2:02**
